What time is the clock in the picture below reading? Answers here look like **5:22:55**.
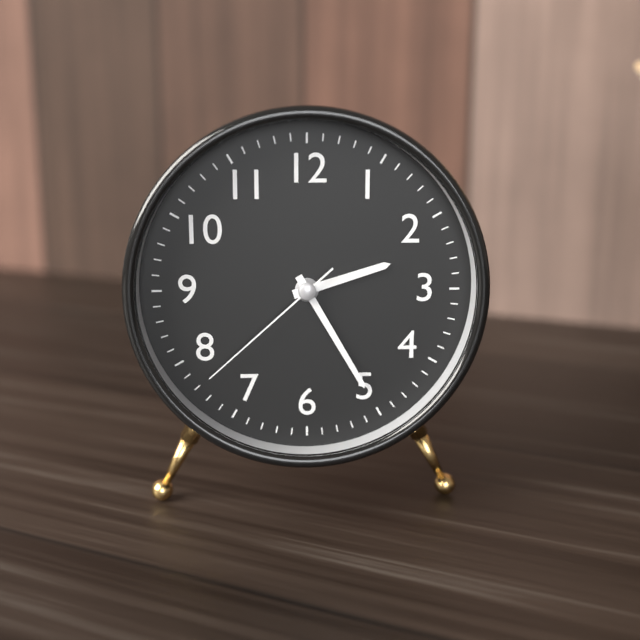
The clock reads **2:25:38**
